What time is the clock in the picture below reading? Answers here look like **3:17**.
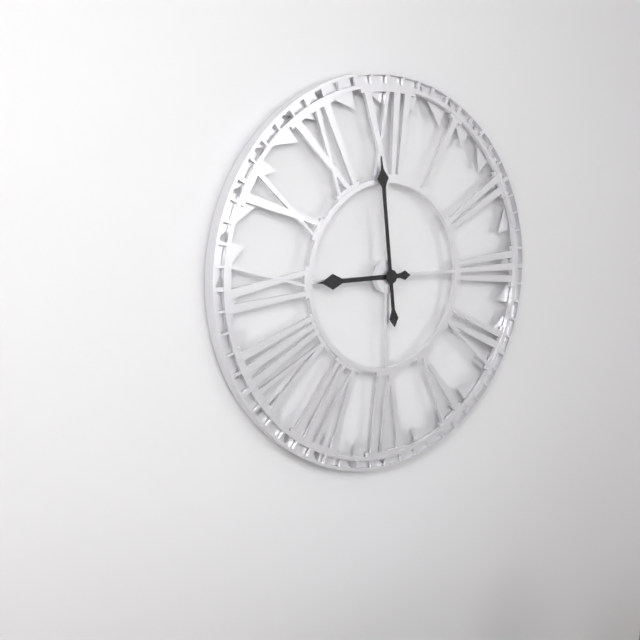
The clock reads **8:59**
